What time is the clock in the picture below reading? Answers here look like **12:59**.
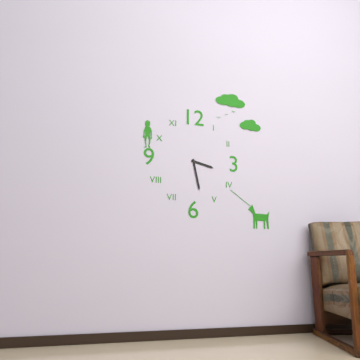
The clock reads **3:28**
